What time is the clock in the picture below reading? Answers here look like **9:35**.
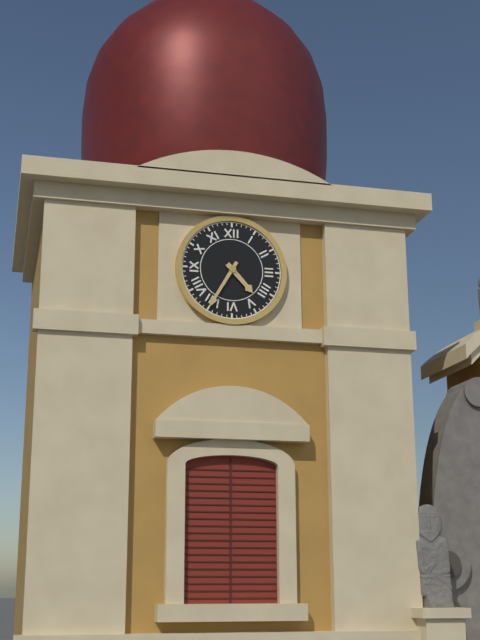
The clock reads **4:35**
